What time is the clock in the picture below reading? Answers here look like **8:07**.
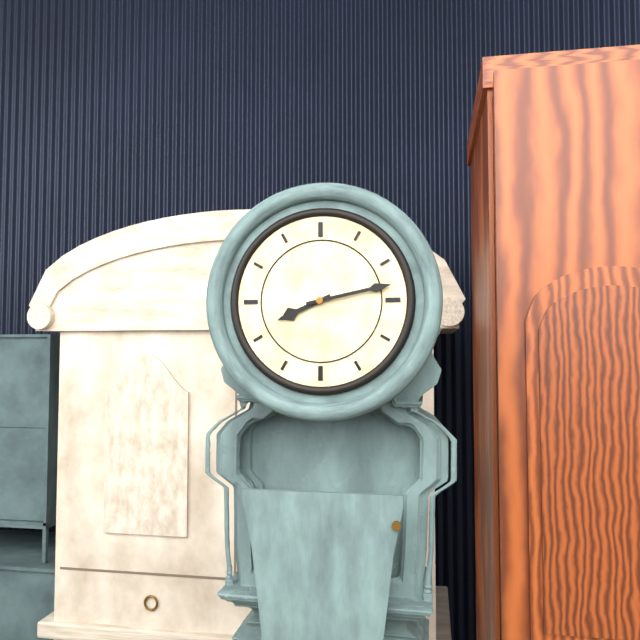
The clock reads **8:13**
